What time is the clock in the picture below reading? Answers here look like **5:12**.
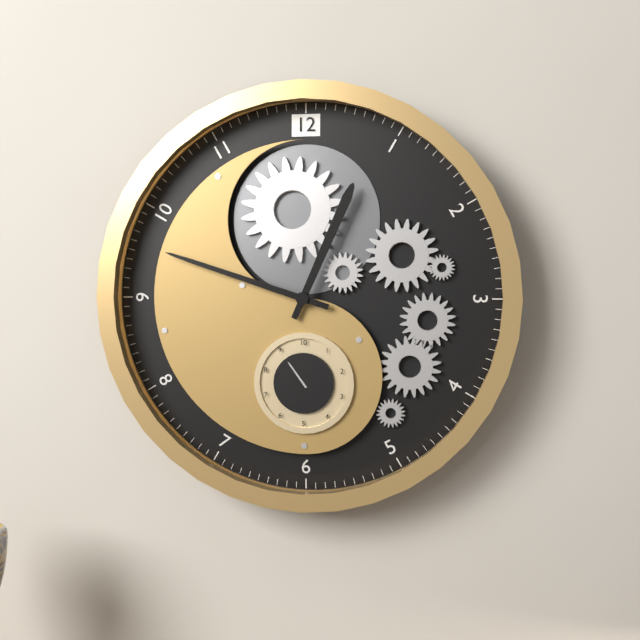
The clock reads **12:48**
